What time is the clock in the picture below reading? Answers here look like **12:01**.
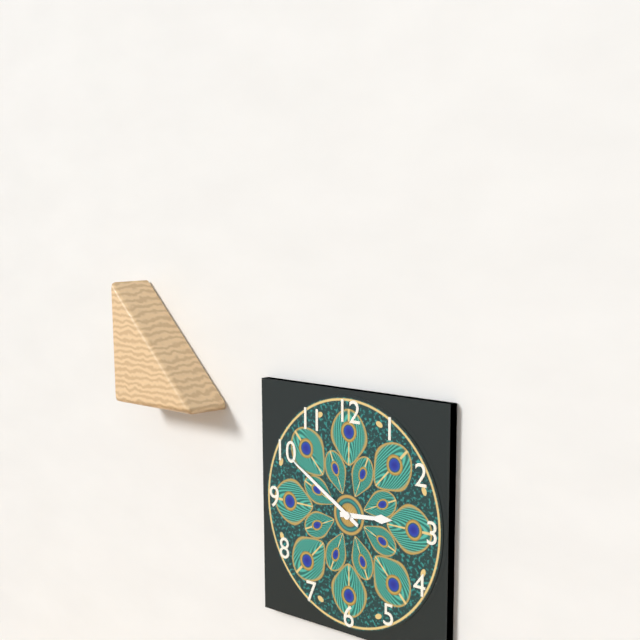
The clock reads **2:50**
